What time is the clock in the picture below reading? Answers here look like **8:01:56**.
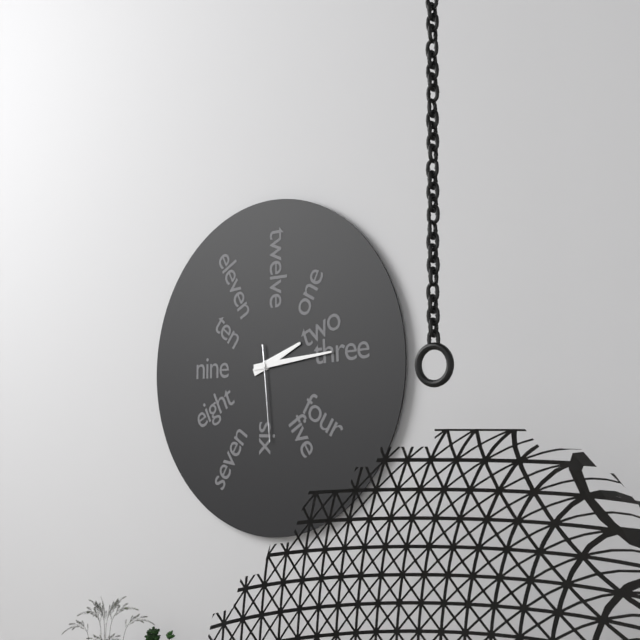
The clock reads **2:14:29**
